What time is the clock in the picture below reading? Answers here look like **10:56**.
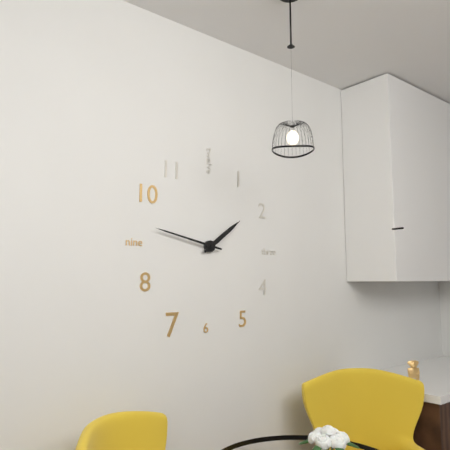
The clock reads **1:47**
